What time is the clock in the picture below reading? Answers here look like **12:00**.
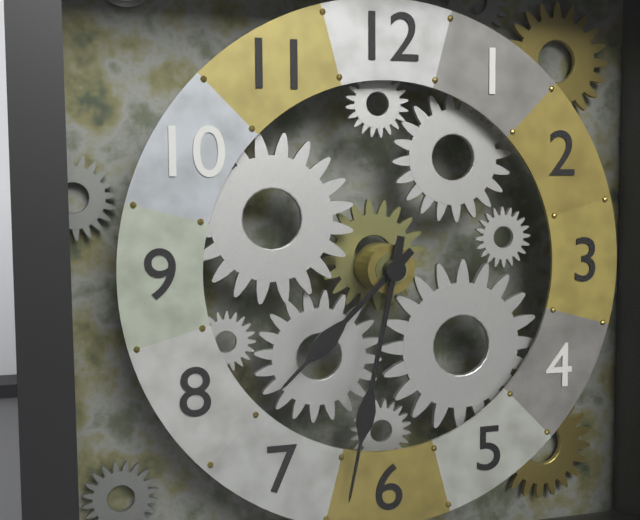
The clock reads **7:32**
